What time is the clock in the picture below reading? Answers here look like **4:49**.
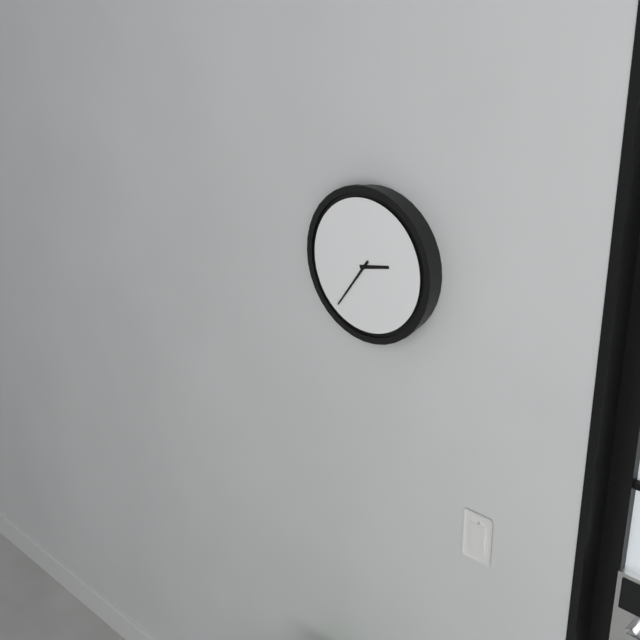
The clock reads **2:36**
